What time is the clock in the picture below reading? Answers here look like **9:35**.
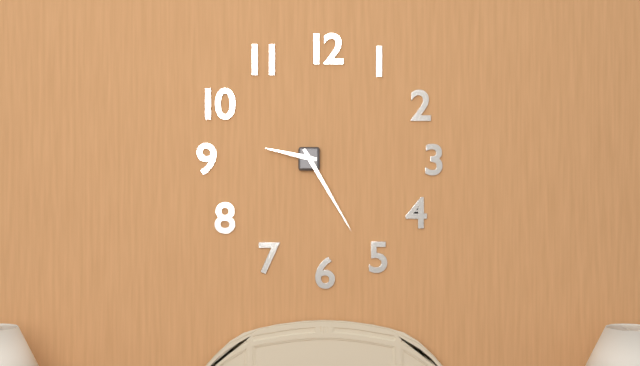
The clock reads **9:25**
